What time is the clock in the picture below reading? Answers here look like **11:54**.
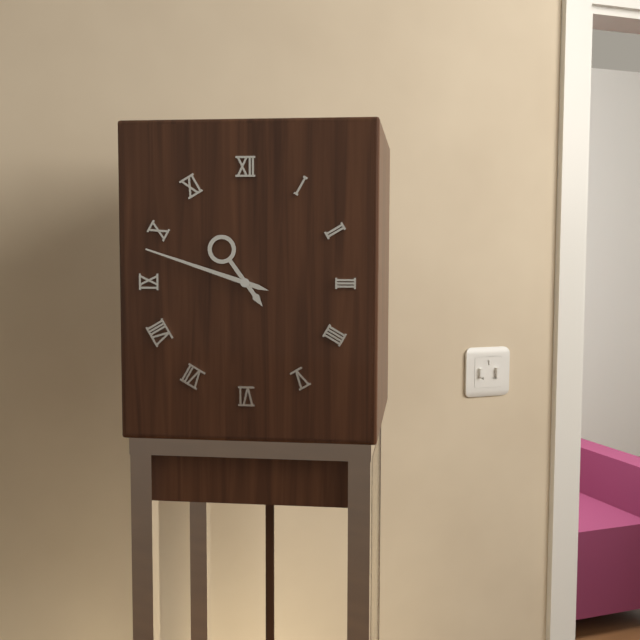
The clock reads **10:48**
